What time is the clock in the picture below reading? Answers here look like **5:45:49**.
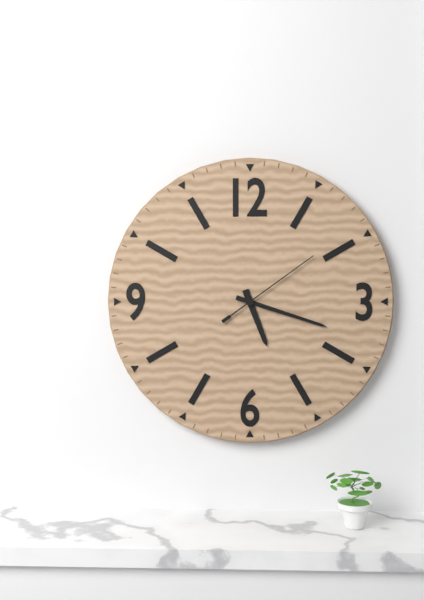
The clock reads **5:18:09**
